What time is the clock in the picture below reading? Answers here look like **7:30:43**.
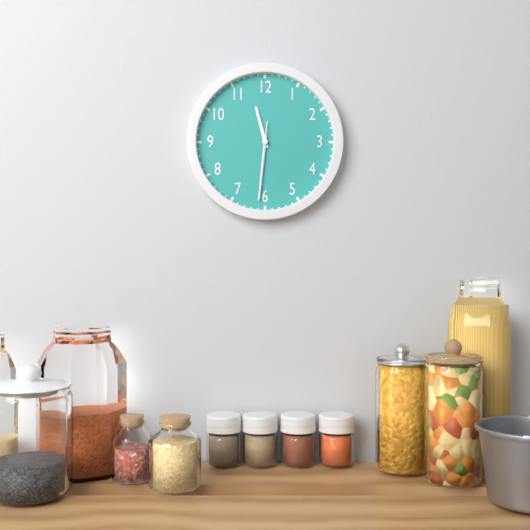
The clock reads **11:31:31**
